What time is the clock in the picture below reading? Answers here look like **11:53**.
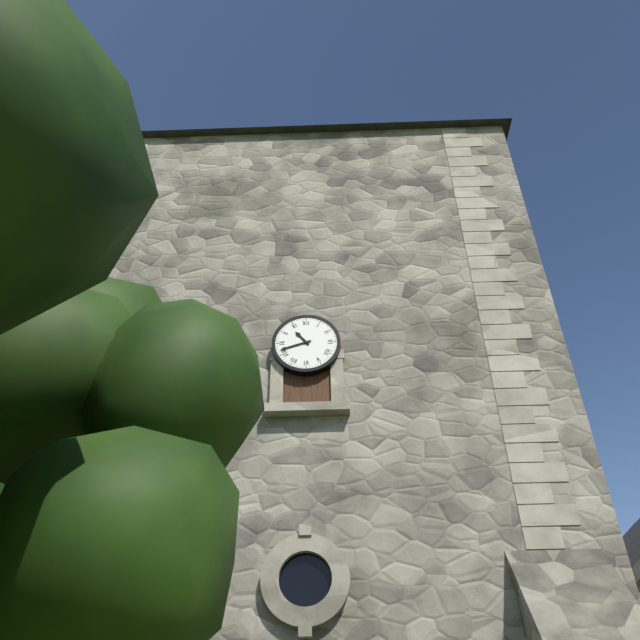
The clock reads **10:42**
